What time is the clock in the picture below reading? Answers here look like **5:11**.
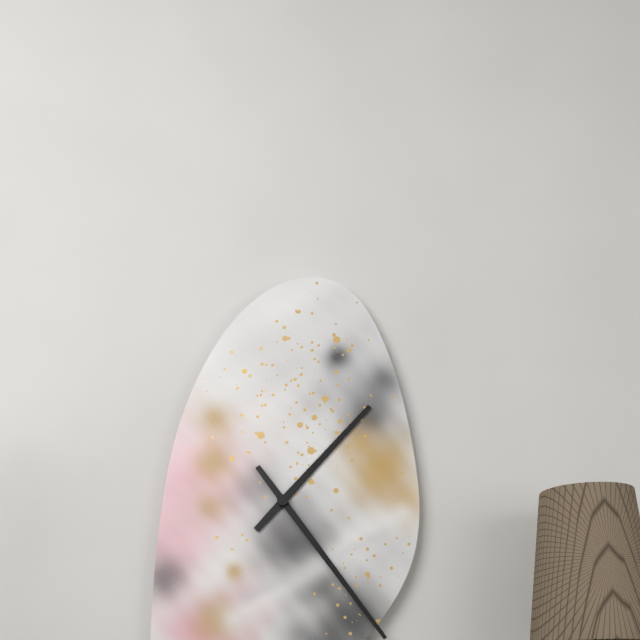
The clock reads **1:24**
